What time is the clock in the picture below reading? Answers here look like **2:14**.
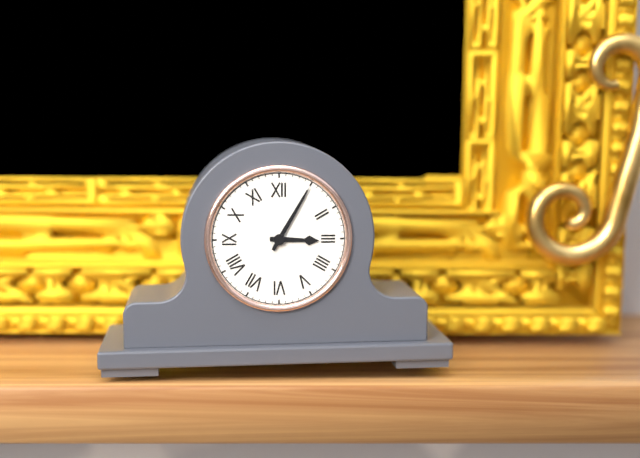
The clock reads **3:05**
